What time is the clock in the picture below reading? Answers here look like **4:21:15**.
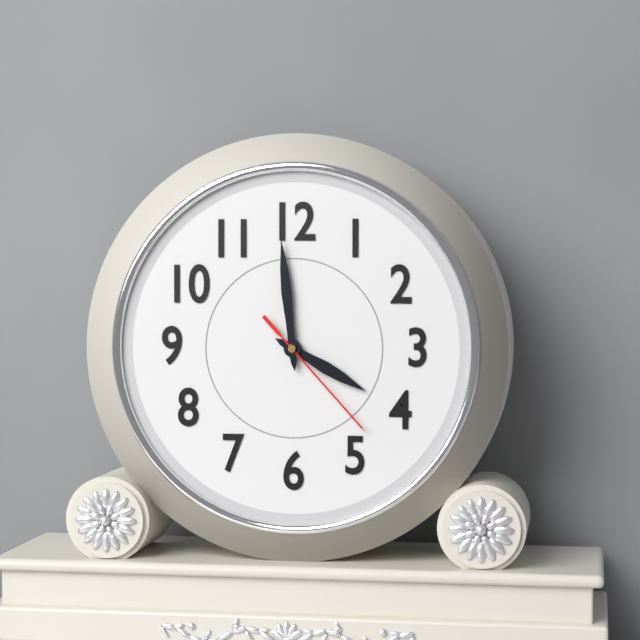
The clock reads **3:59:23**
